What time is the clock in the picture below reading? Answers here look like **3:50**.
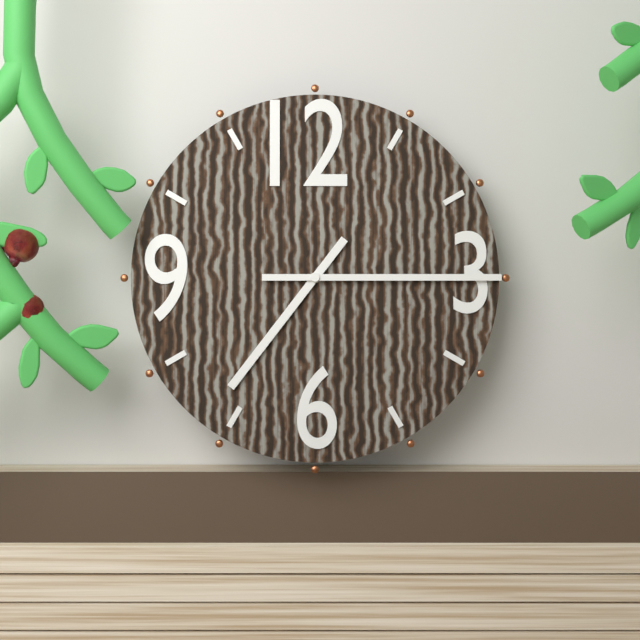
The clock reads **7:15**
